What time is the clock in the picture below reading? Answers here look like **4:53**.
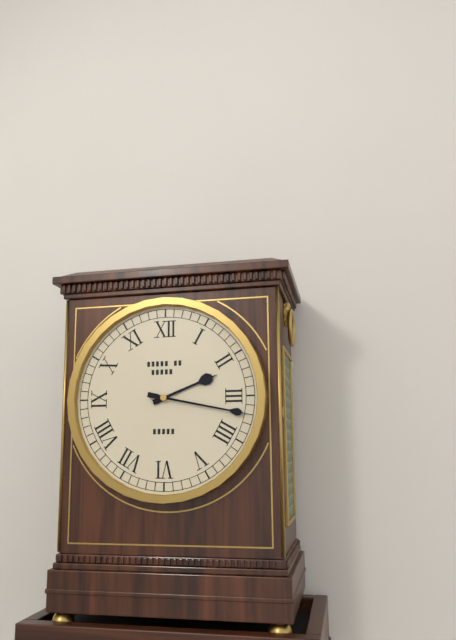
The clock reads **2:17**
